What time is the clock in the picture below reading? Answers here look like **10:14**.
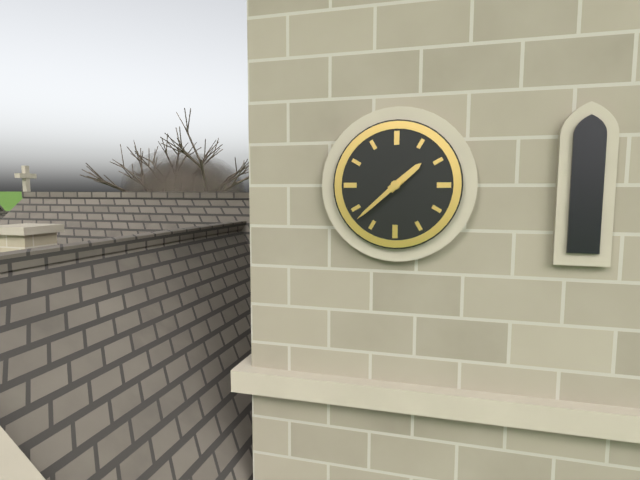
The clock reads **1:38**
